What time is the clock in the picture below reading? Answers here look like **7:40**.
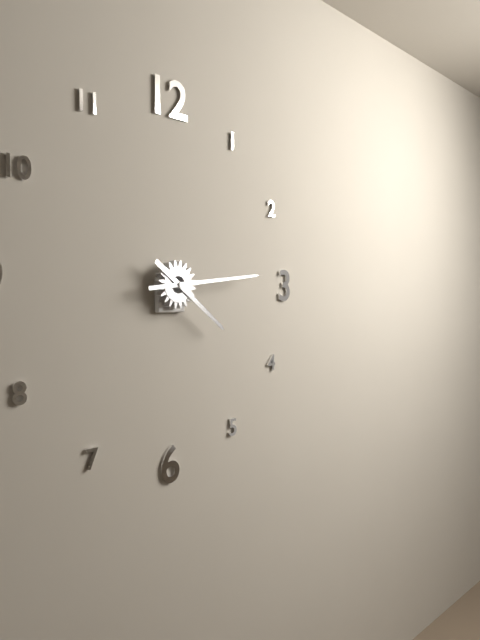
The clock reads **4:14**
